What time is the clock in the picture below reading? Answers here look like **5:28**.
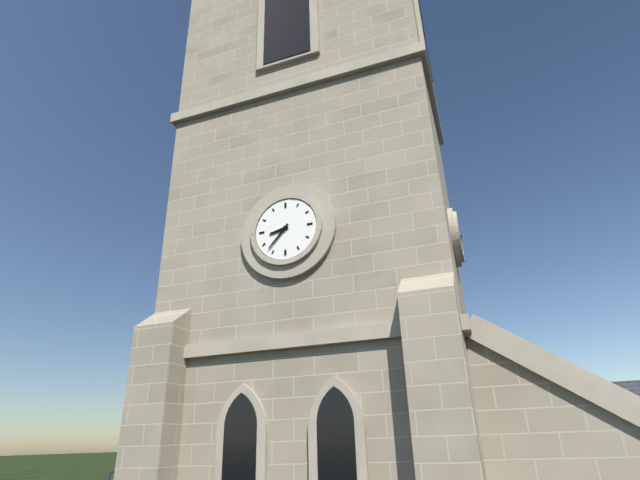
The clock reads **8:37**
